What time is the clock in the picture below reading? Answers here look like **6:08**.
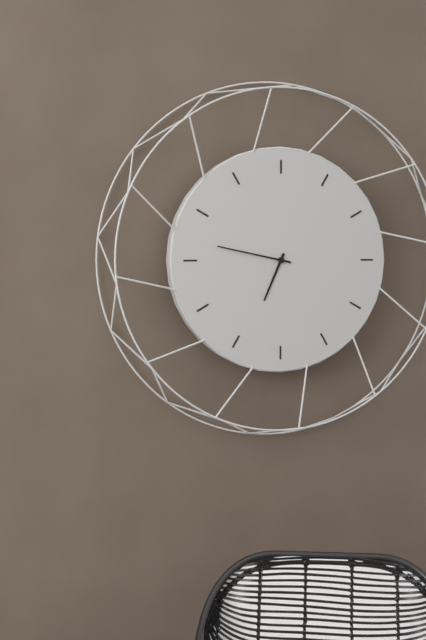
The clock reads **6:47**
